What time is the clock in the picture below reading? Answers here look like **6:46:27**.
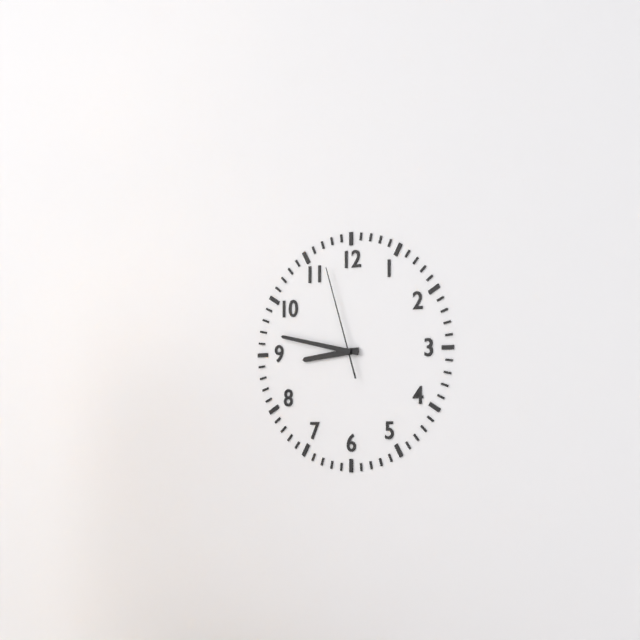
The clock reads **8:47:57**
